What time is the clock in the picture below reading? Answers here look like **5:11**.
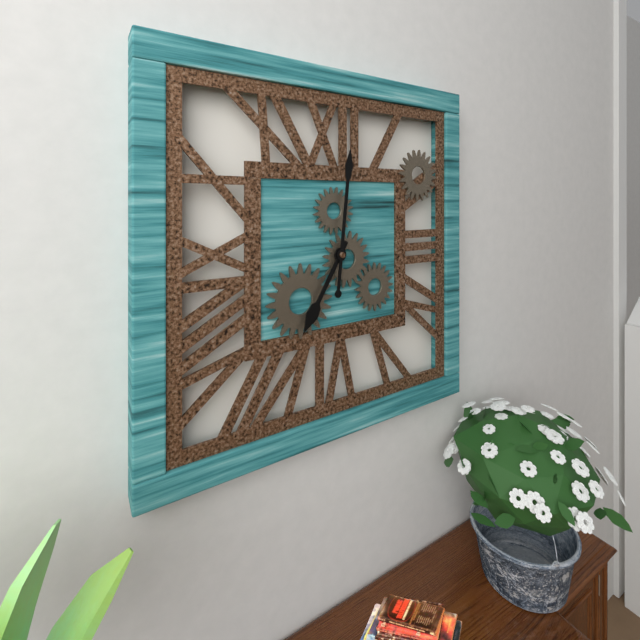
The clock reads **7:01**
